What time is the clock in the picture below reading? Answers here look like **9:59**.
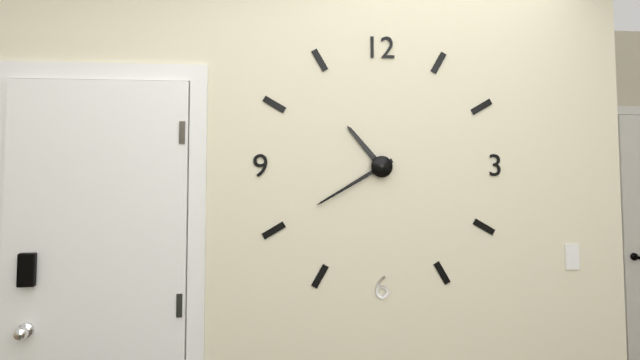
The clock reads **10:40**
